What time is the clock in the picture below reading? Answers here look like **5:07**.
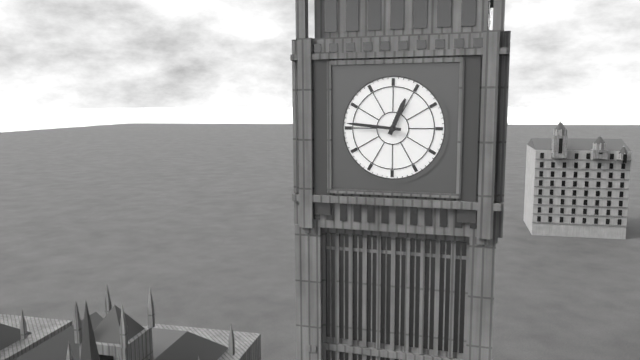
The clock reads **12:46**
